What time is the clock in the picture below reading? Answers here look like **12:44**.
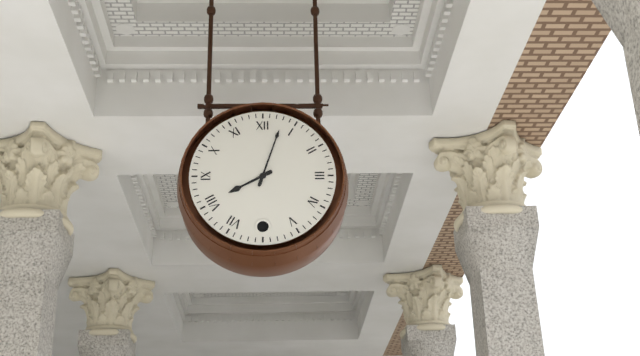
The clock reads **8:03**
